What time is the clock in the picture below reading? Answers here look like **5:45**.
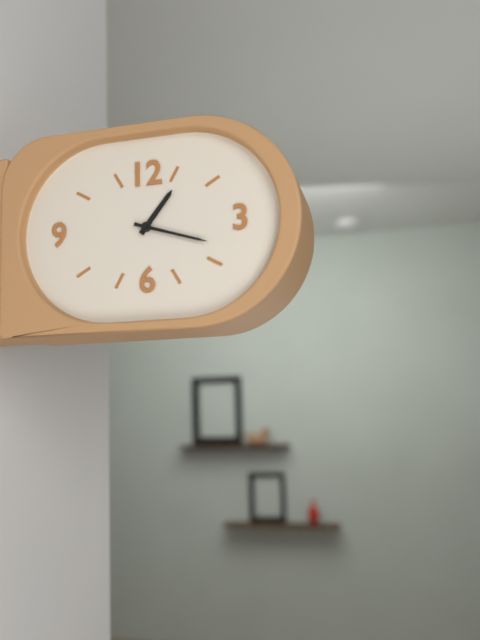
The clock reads **1:18**
